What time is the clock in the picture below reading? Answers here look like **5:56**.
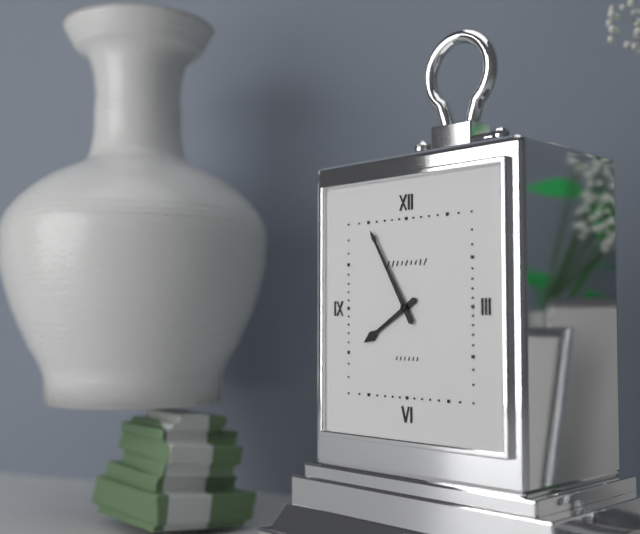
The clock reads **7:55**
